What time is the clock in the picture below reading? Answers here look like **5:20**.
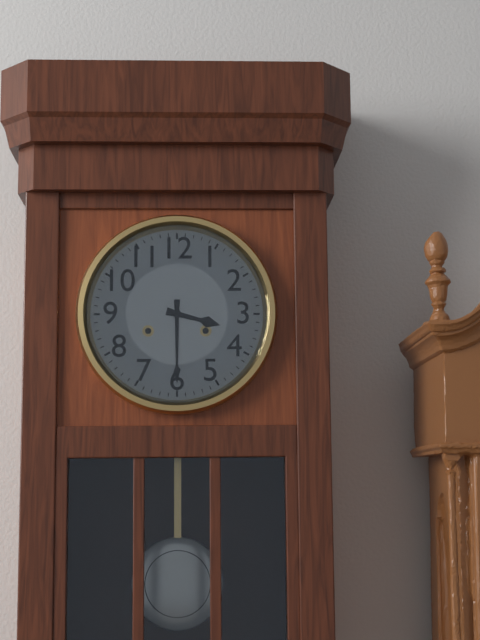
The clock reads **3:30**
